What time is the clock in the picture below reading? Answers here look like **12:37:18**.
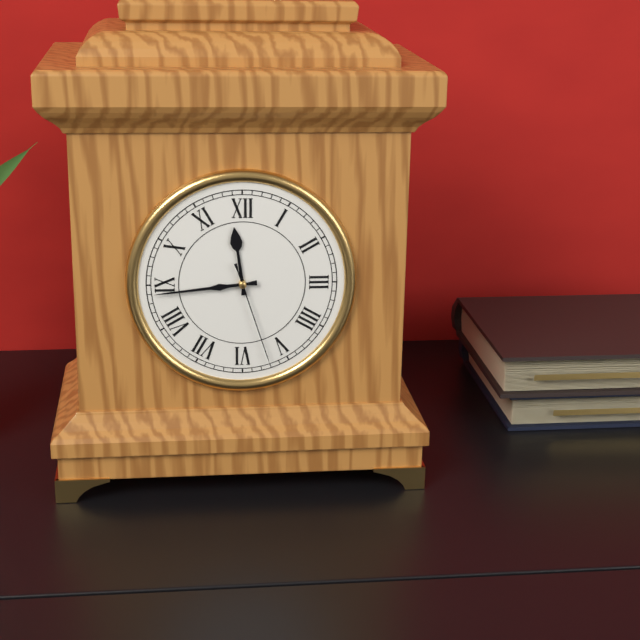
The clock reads **11:44:27**
